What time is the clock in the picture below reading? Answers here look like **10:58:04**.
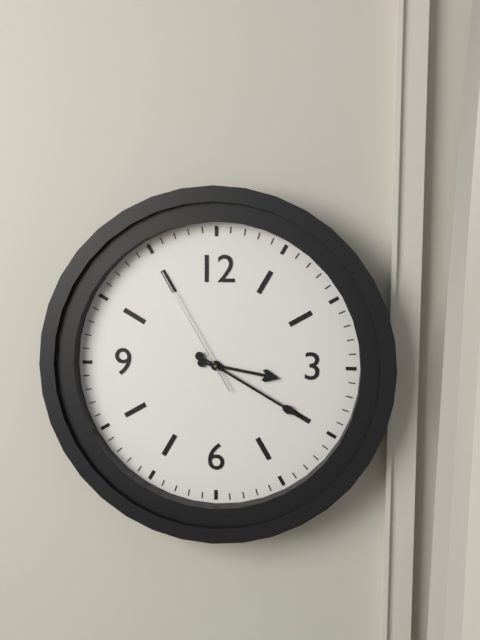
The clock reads **3:20:55**
